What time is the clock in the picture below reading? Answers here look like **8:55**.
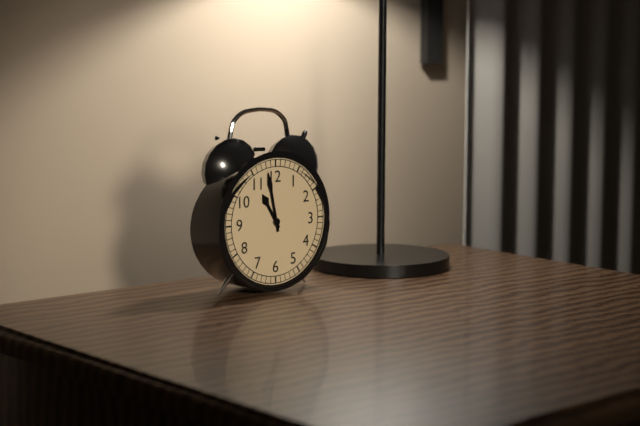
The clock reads **10:58**
